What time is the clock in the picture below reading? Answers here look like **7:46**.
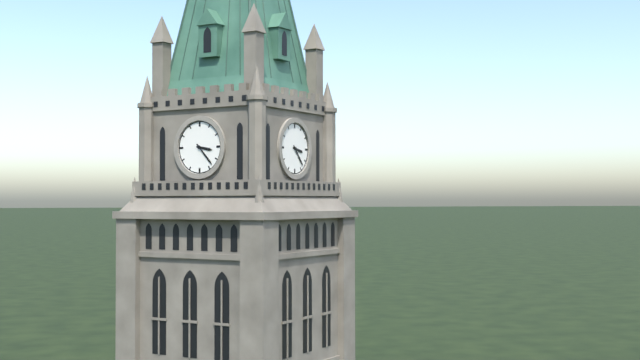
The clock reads **3:23**
